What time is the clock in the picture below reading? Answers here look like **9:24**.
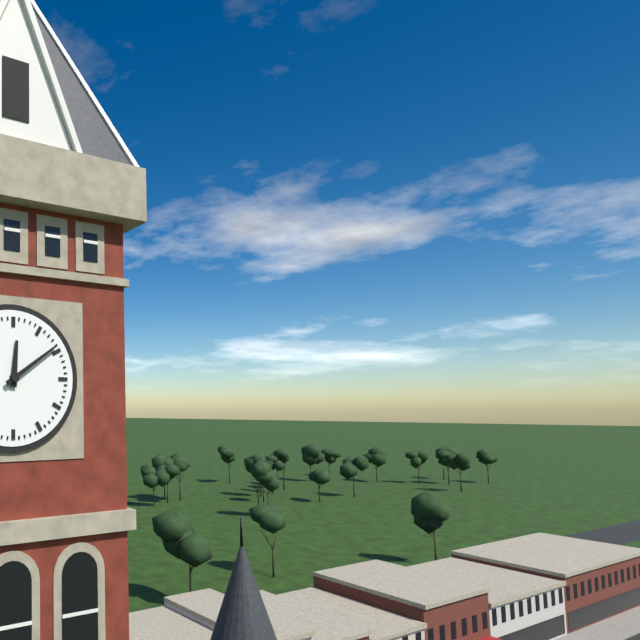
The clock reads **12:09**
